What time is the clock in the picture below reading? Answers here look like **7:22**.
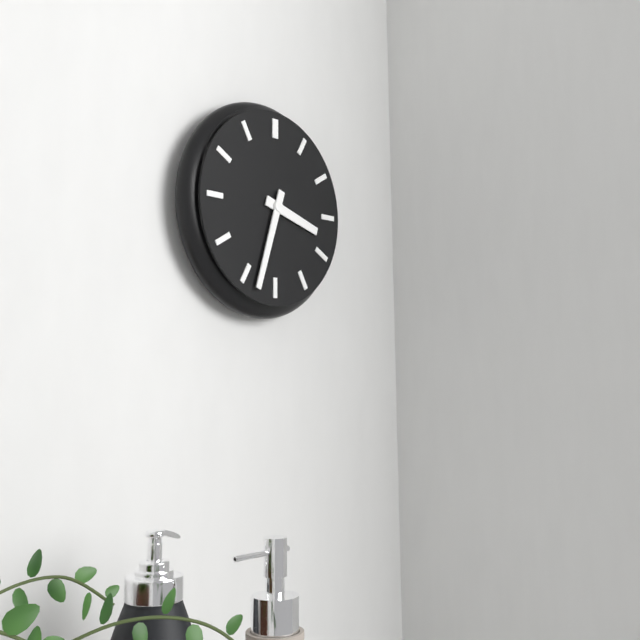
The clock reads **3:33**
